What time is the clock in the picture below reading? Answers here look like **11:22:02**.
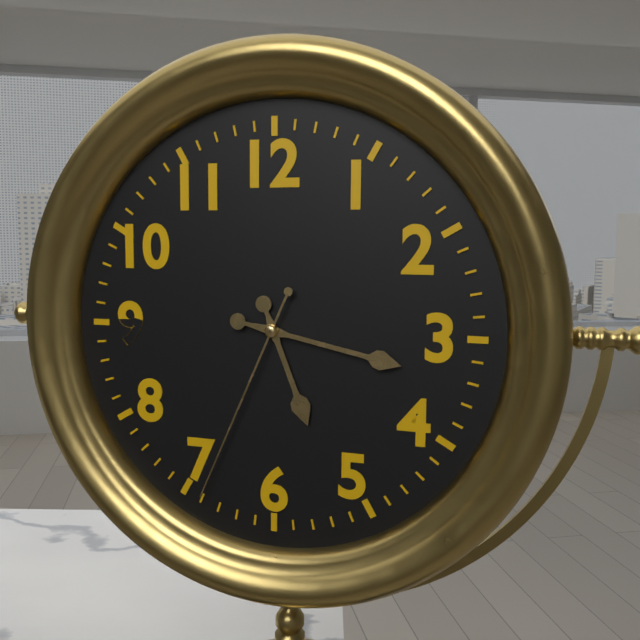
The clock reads **5:17:34**
